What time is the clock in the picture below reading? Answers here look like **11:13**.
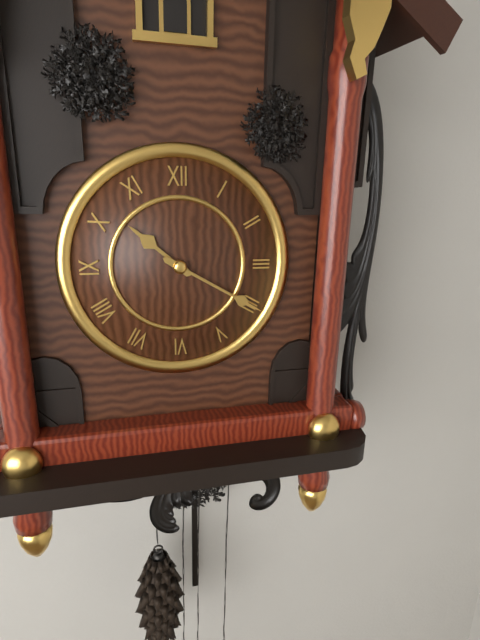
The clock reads **10:20**
